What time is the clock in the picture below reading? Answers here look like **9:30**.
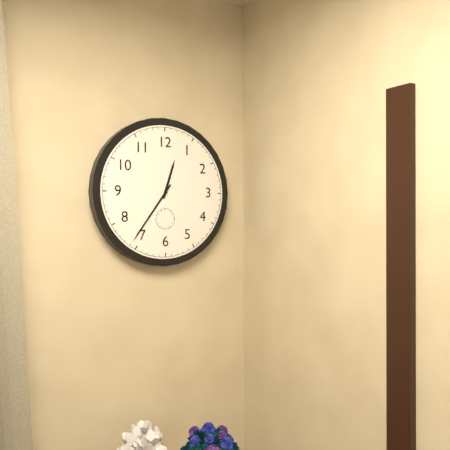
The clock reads **12:36**
